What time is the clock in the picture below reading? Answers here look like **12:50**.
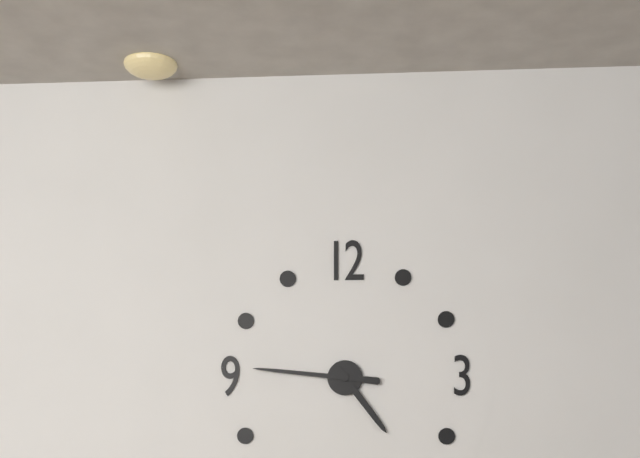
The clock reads **4:46**
